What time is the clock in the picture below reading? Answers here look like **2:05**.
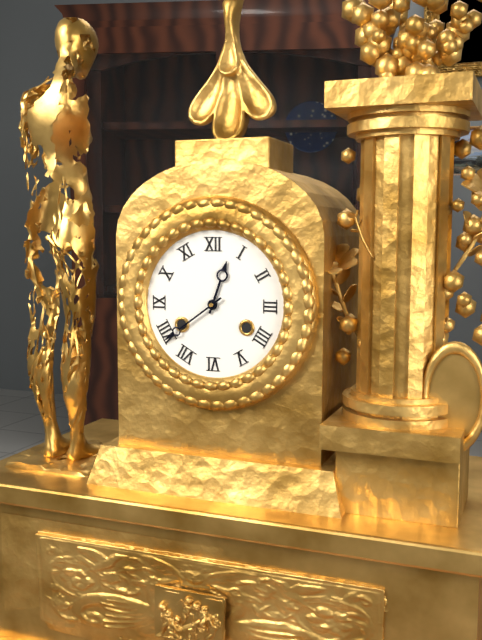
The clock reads **12:39**
